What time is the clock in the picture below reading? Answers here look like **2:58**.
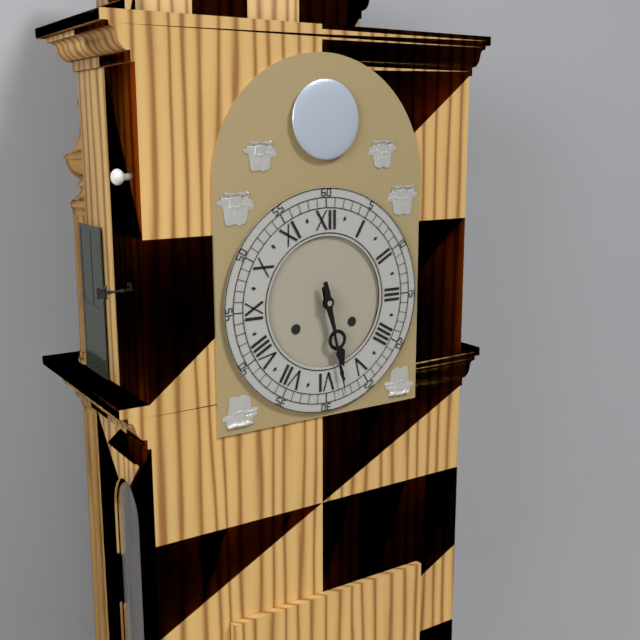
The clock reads **5:28**
